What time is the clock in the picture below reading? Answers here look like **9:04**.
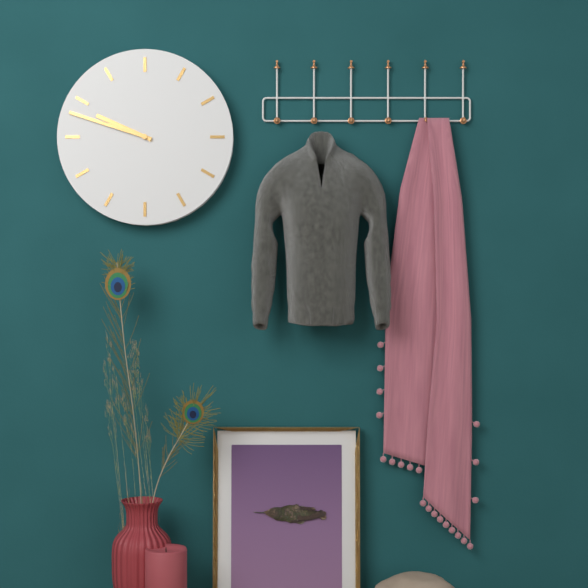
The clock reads **9:48**
